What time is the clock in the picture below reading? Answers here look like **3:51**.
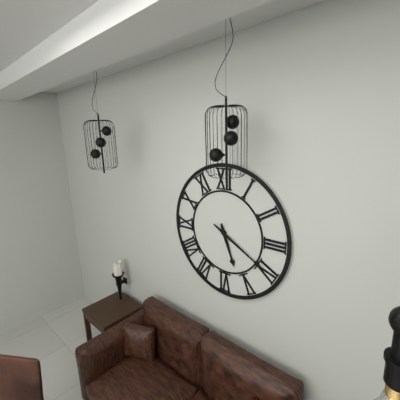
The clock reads **5:20**
